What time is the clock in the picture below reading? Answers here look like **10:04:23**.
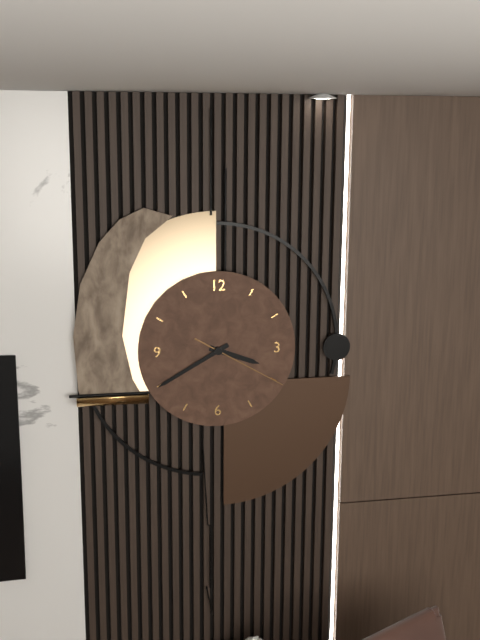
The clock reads **3:40:20**
